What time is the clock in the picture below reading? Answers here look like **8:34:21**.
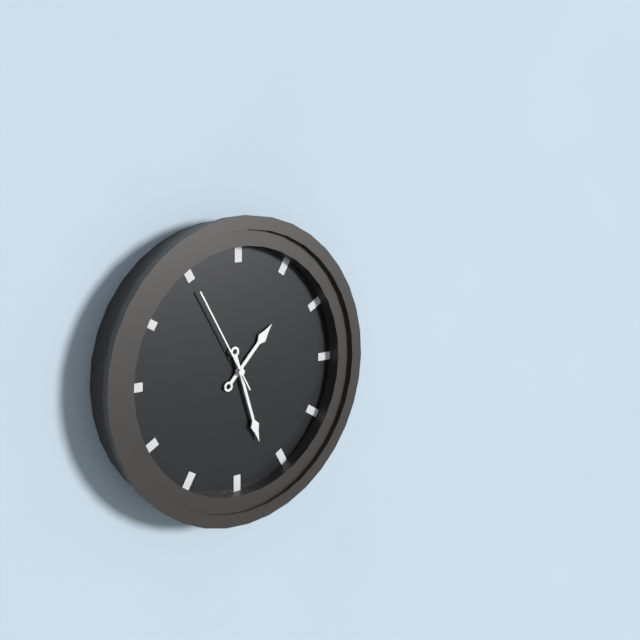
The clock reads **1:27:55**
